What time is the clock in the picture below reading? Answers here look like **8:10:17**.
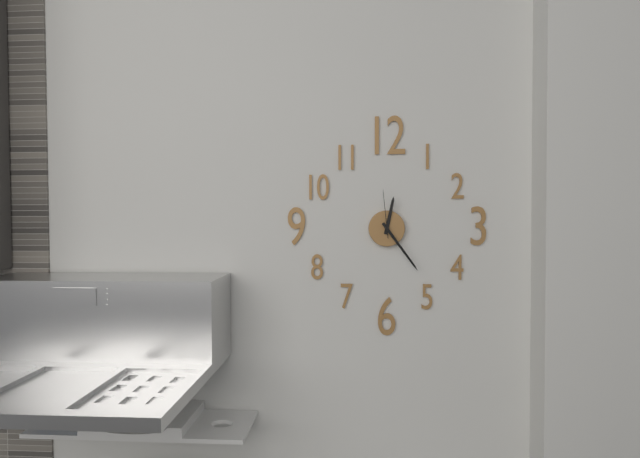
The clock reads **12:24:59**
